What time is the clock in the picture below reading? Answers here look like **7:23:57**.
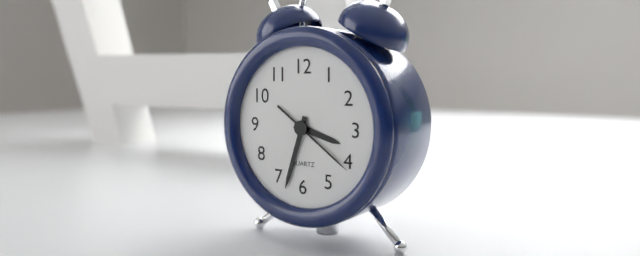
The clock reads **3:33:21**
